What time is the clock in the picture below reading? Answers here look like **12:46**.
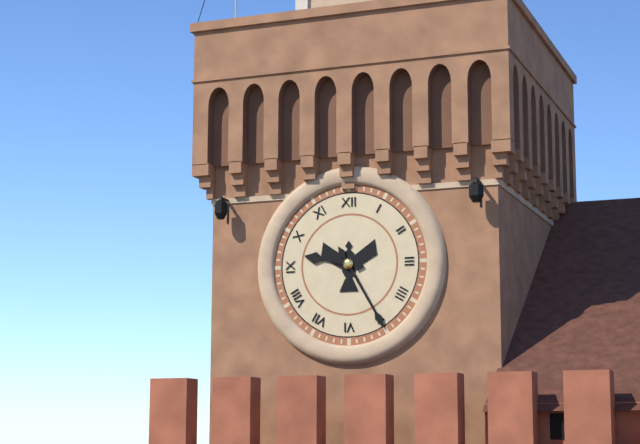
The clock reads **9:25**
